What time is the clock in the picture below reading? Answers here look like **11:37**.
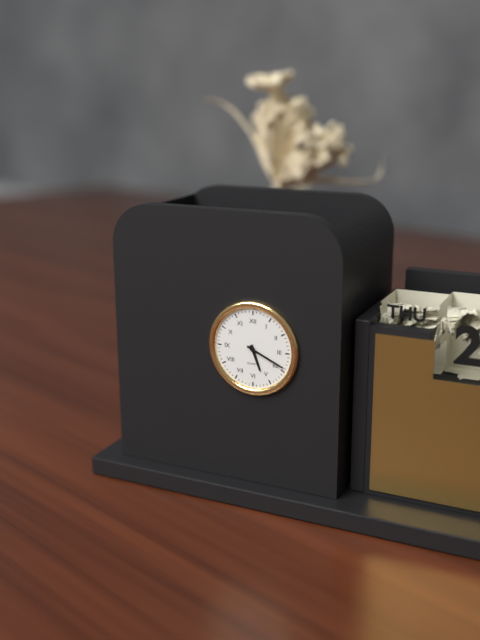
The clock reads **5:19**
